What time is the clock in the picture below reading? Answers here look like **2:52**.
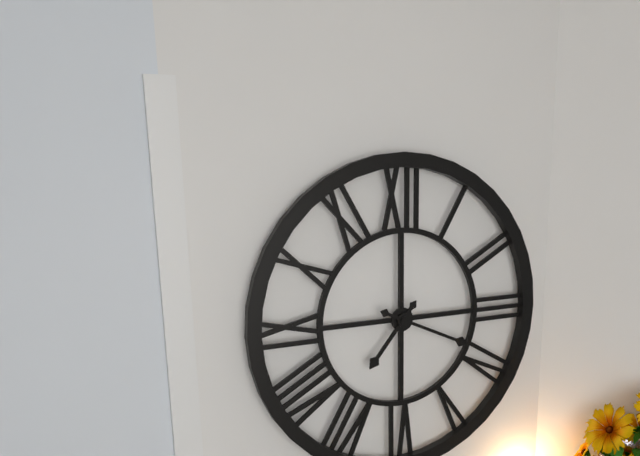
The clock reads **7:19**
